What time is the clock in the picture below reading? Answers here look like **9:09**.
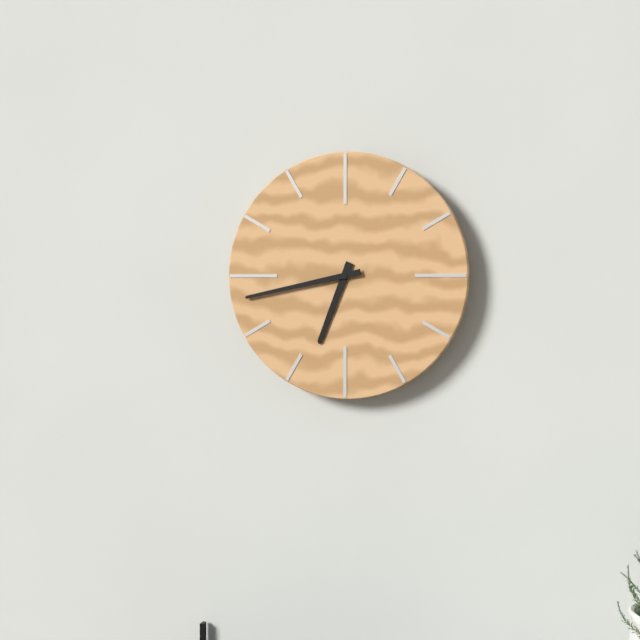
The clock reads **6:43**
